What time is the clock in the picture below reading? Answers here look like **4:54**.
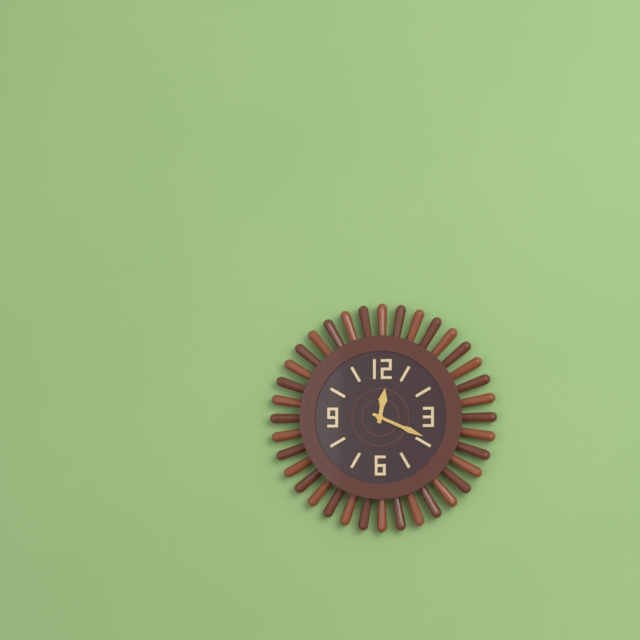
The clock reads **12:19**
